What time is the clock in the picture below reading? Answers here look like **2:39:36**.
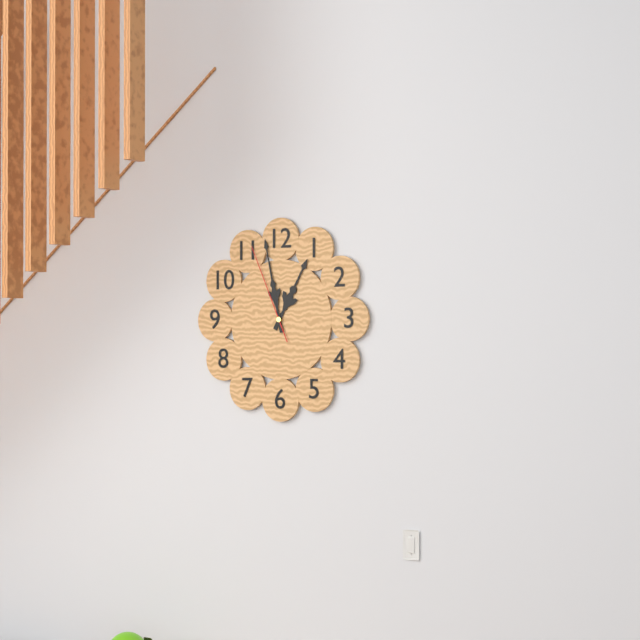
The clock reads **12:58:56**
